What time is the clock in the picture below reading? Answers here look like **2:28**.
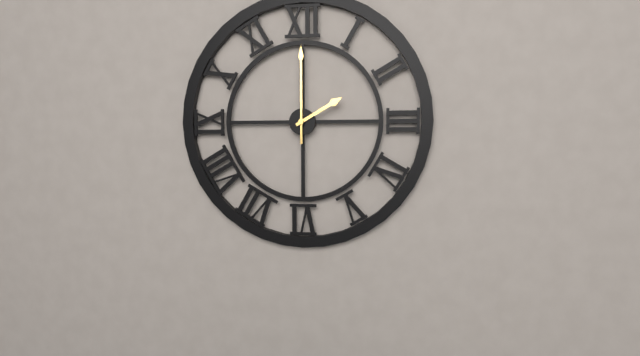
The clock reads **2:00**
